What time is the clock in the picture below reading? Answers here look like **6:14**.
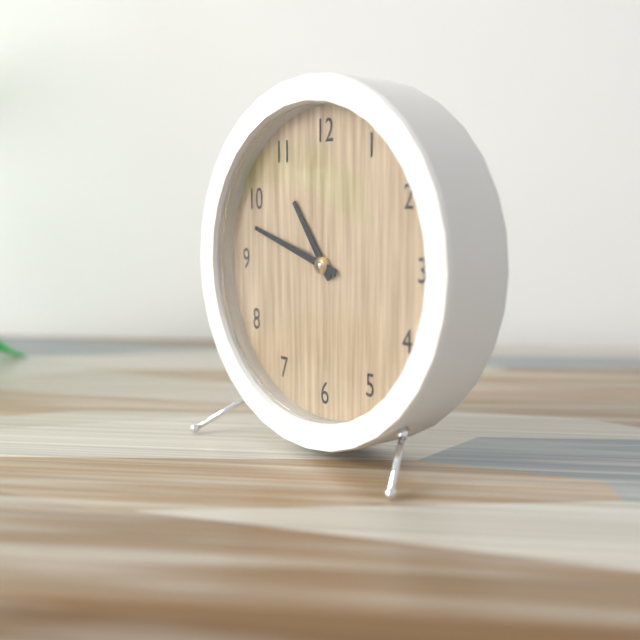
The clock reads **10:48**
